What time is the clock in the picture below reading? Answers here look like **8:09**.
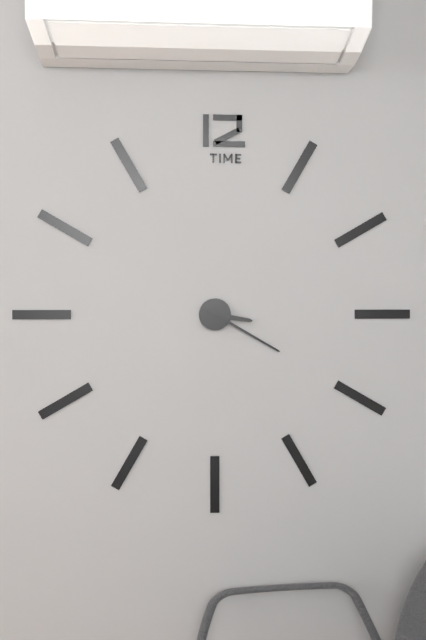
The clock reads **3:20**
